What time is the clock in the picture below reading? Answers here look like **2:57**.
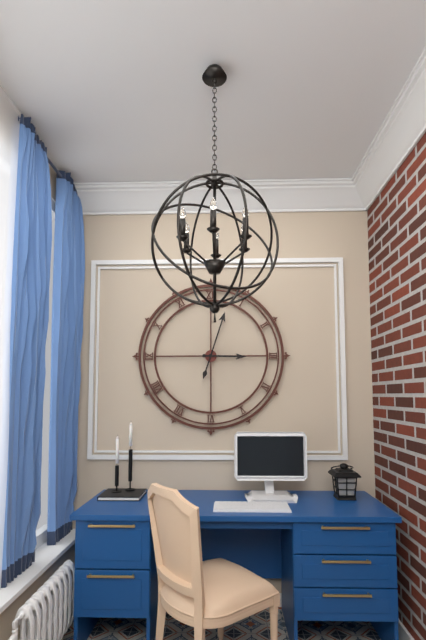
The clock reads **3:03**
